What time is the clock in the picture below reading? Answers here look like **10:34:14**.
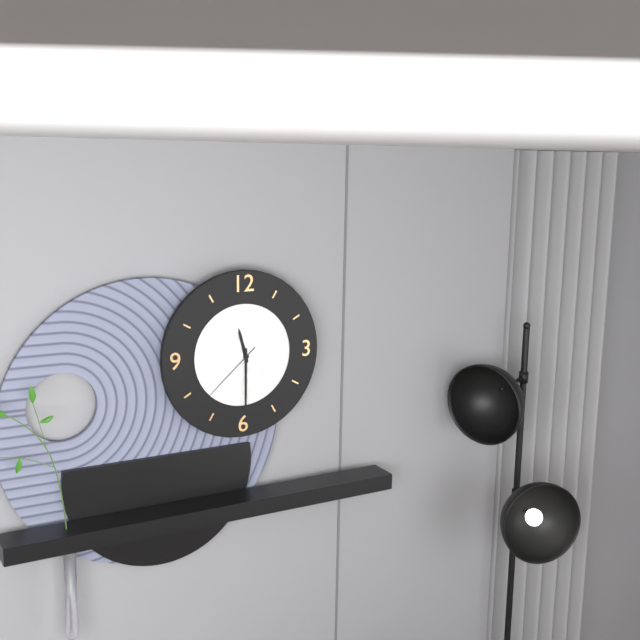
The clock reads **11:30:38**
